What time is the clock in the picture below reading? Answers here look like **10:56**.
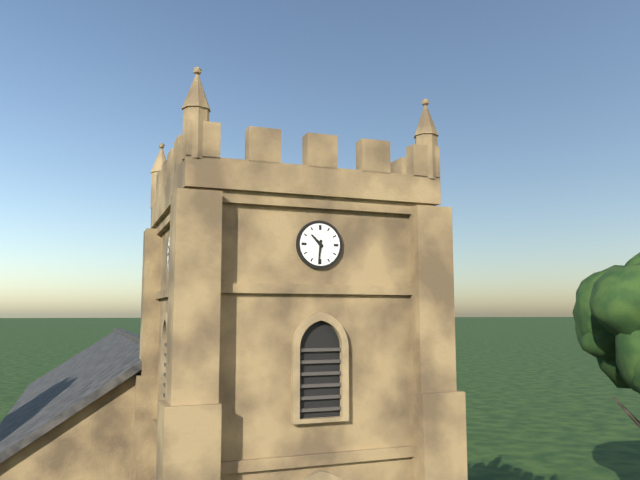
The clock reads **10:31**
